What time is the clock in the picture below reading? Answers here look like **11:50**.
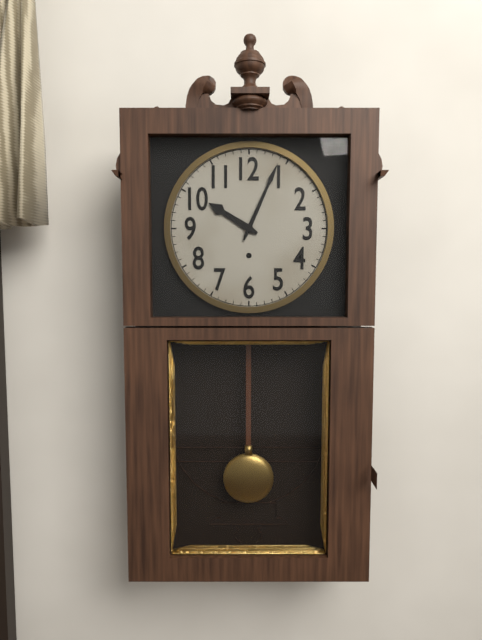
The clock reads **10:04**
